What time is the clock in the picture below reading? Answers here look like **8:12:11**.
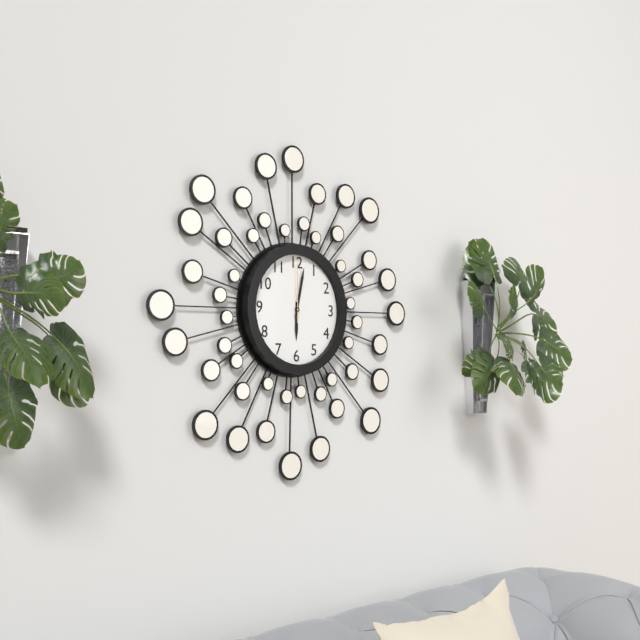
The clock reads **6:02:00**
